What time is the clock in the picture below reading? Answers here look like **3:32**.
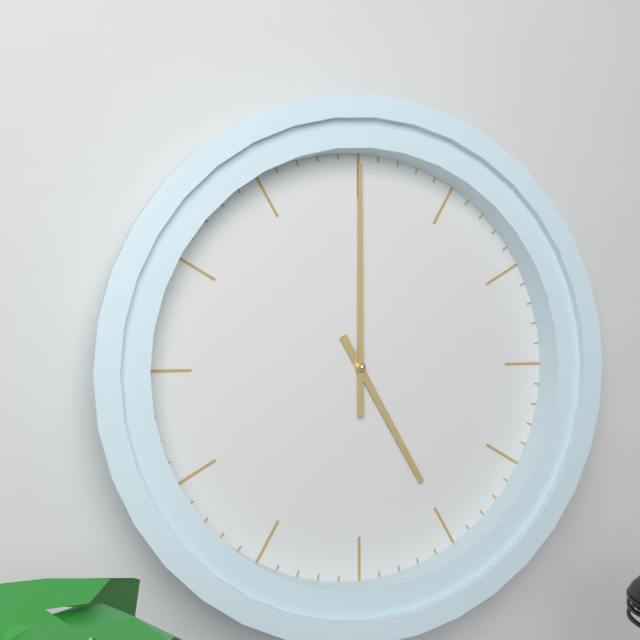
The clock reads **5:00**
